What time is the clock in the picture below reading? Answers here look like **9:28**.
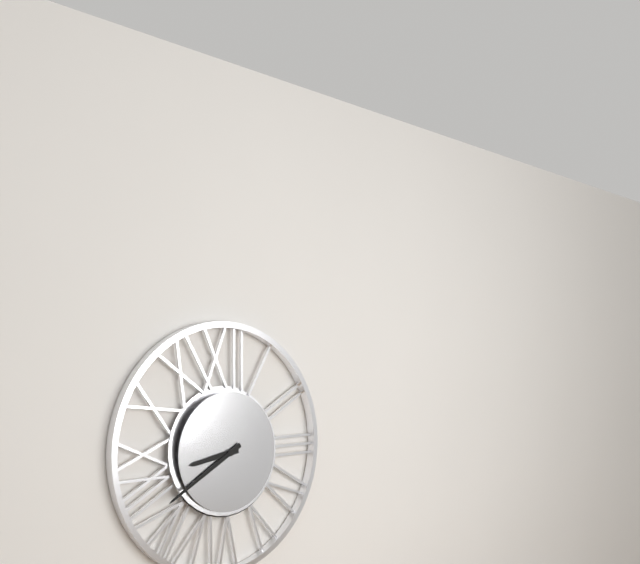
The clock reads **8:40**
